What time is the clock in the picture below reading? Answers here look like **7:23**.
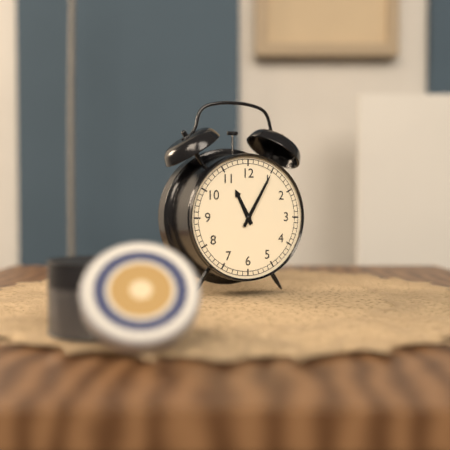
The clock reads **11:05**
